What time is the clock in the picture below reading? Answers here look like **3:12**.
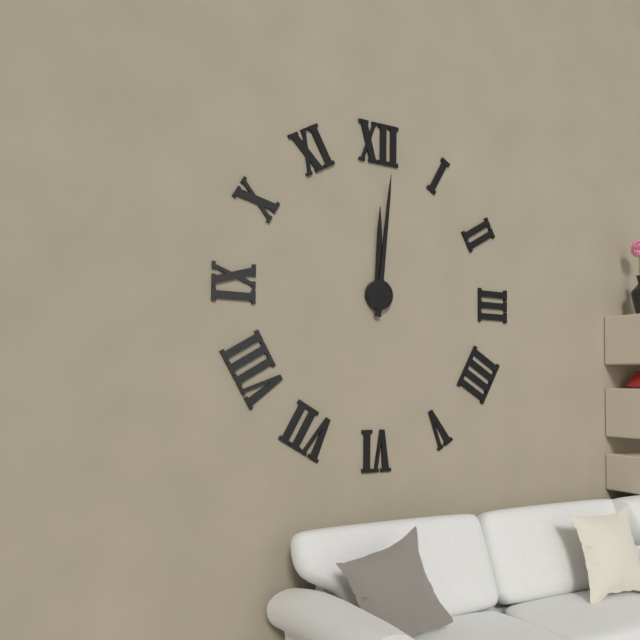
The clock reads **12:01**
